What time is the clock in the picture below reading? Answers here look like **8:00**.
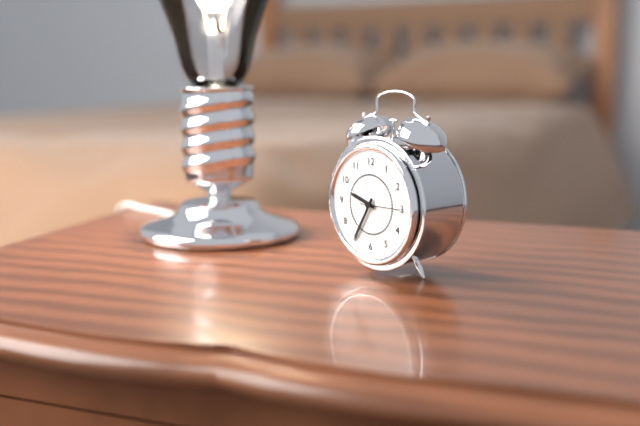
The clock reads **9:35**
